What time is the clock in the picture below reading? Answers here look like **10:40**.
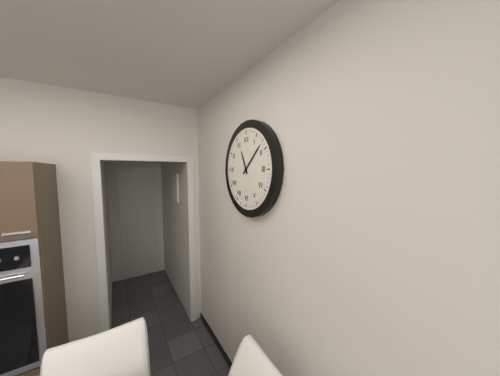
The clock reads **11:08**
